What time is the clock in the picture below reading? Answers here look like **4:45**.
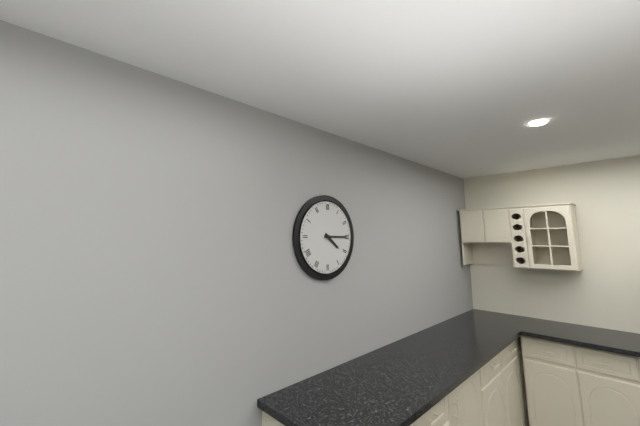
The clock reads **4:15**
